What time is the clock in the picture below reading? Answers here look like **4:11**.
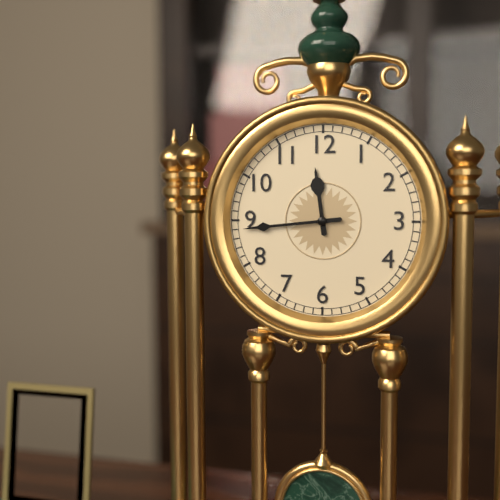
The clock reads **11:44**
